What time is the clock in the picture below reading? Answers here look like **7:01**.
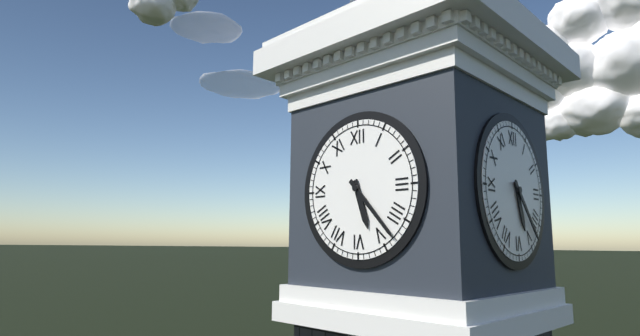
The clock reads **5:23**
